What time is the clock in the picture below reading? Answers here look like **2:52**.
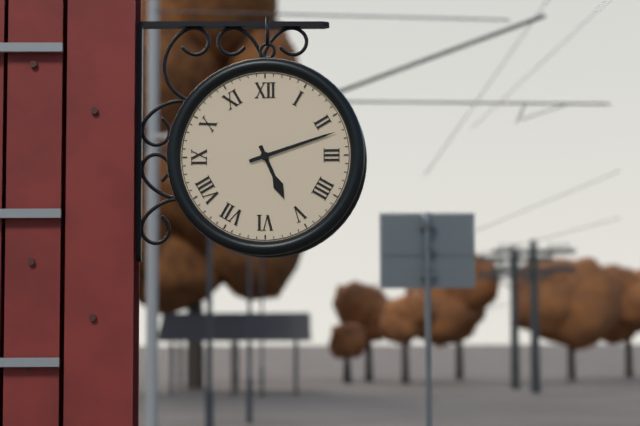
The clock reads **5:12**
